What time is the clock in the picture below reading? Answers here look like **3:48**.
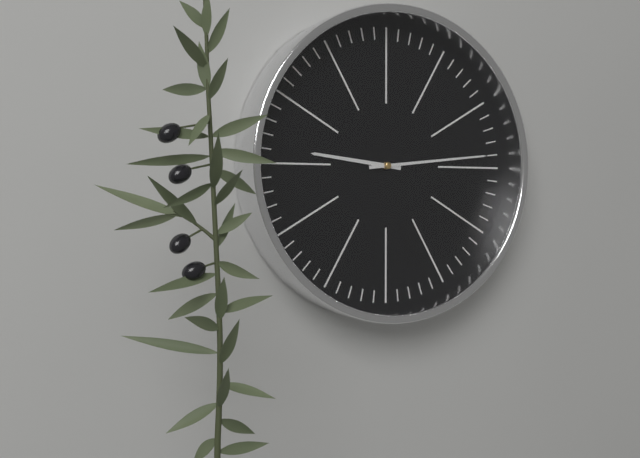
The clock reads **9:14**
